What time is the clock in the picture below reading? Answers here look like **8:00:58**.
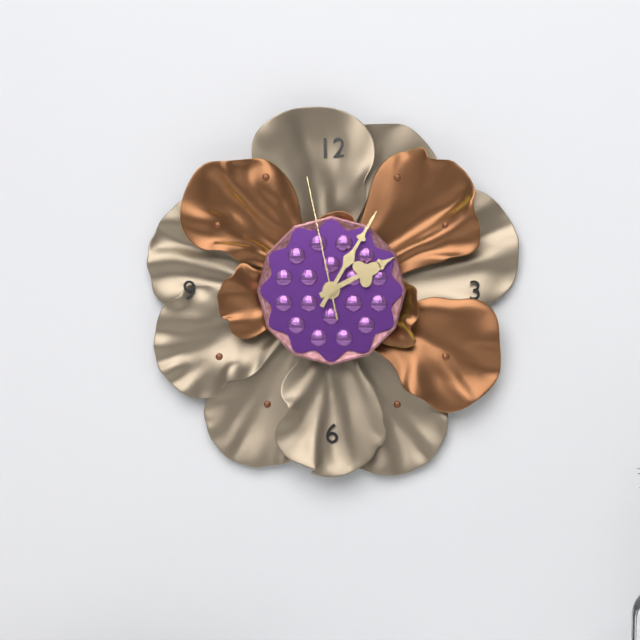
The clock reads **2:05:58**
